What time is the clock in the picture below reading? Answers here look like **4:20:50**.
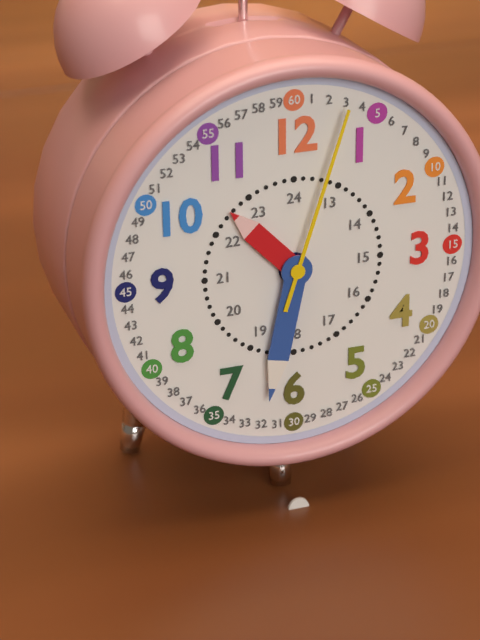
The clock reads **10:32:03**
